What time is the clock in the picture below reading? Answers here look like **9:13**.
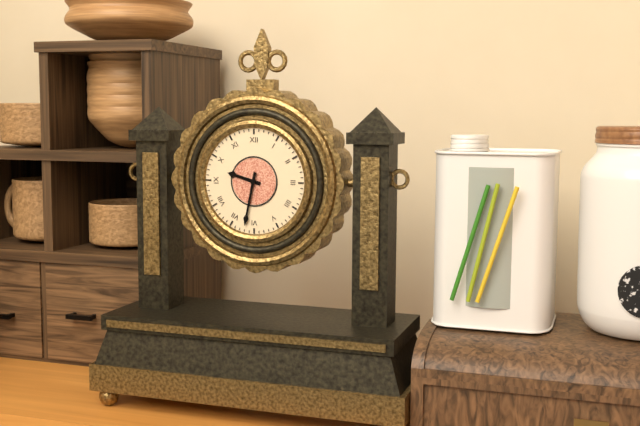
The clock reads **9:32**
